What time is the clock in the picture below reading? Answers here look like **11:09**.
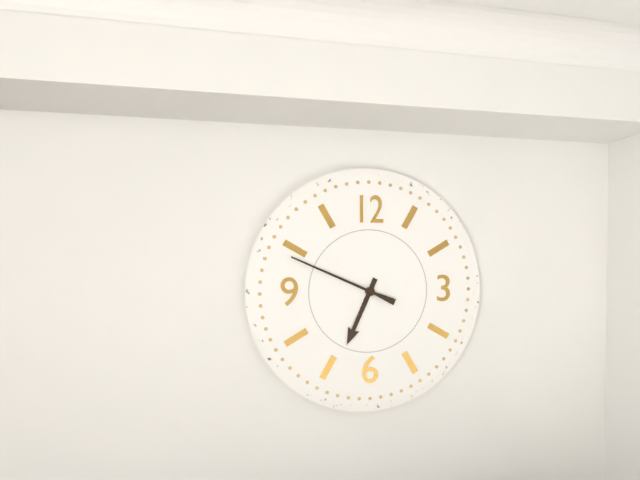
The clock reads **6:49**
